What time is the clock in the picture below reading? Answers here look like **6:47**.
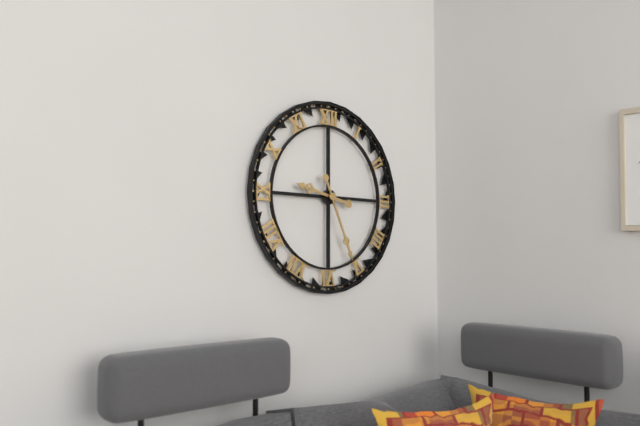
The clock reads **9:26**
